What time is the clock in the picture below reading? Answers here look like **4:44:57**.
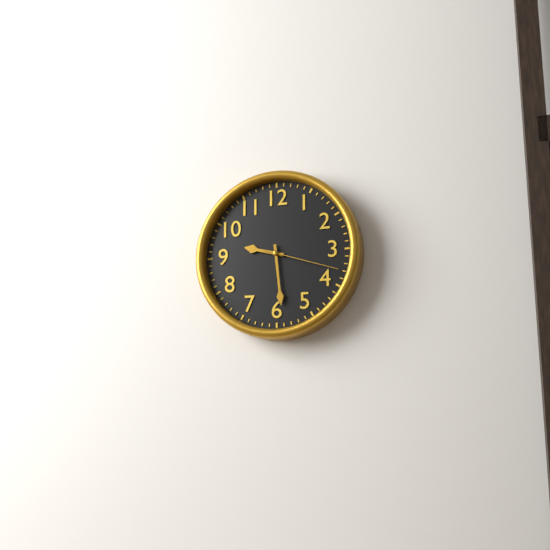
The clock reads **9:29:18**
